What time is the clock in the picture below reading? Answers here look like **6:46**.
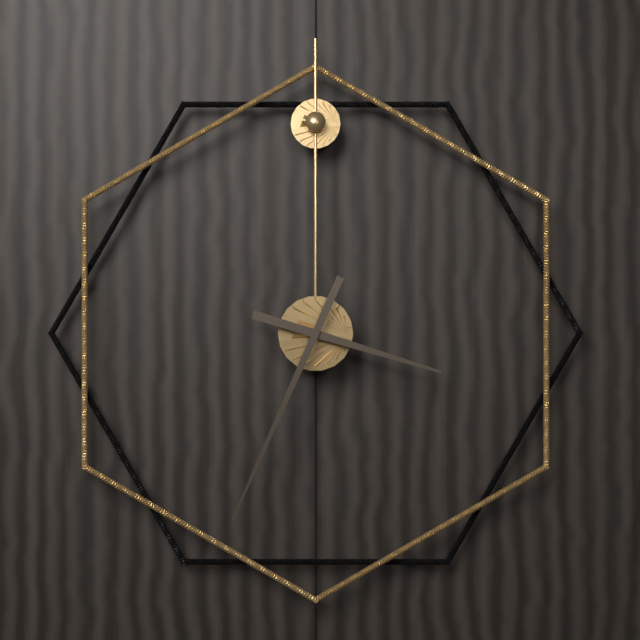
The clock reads **3:34**
